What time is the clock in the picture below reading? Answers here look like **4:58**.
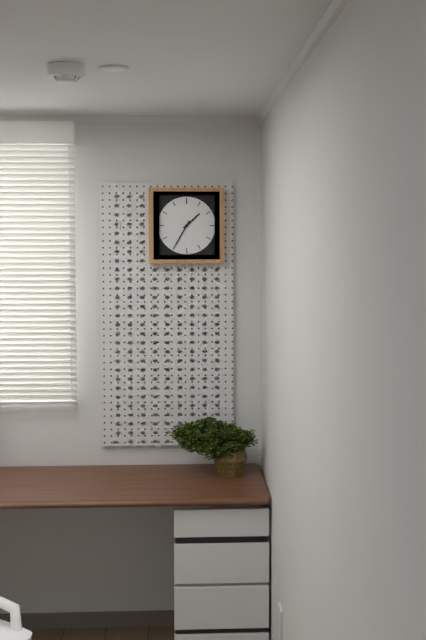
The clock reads **1:35**
